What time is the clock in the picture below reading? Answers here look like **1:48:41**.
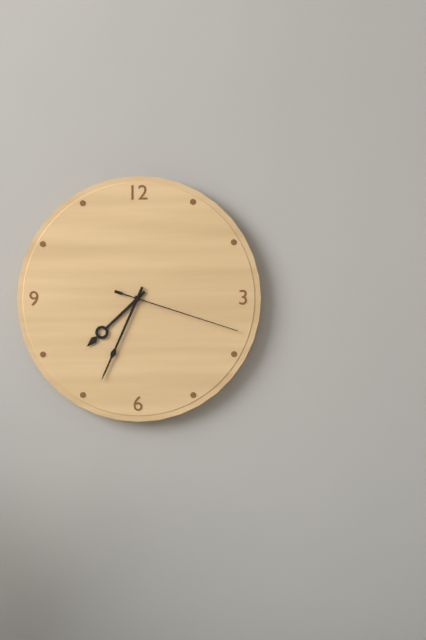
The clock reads **7:34:18**
